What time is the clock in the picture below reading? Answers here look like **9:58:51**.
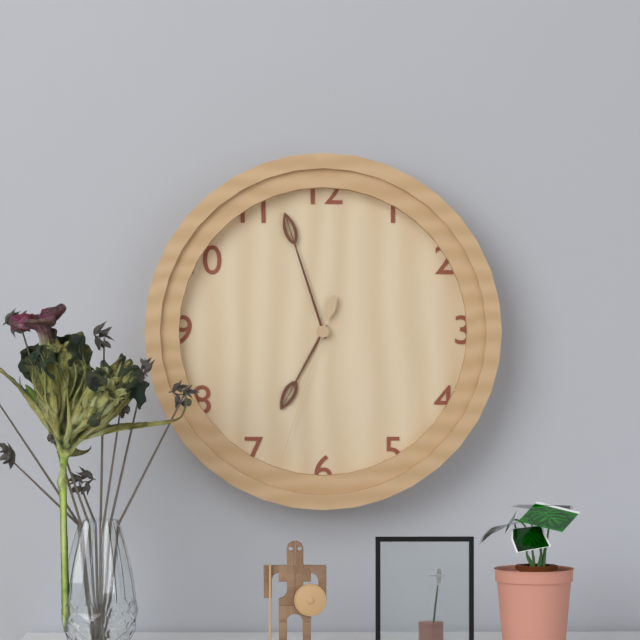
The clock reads **6:57:33**
